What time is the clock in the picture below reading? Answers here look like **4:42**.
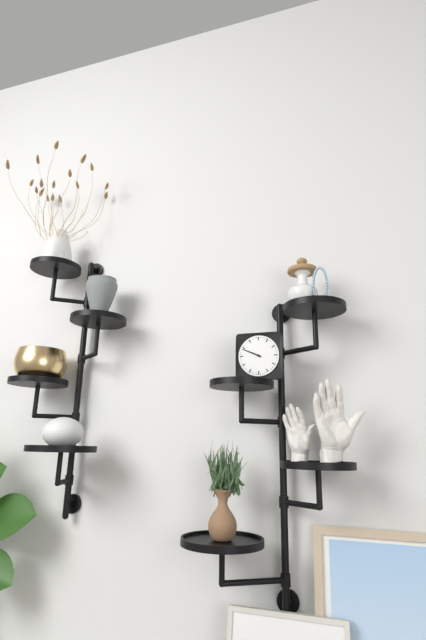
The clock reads **9:49**
